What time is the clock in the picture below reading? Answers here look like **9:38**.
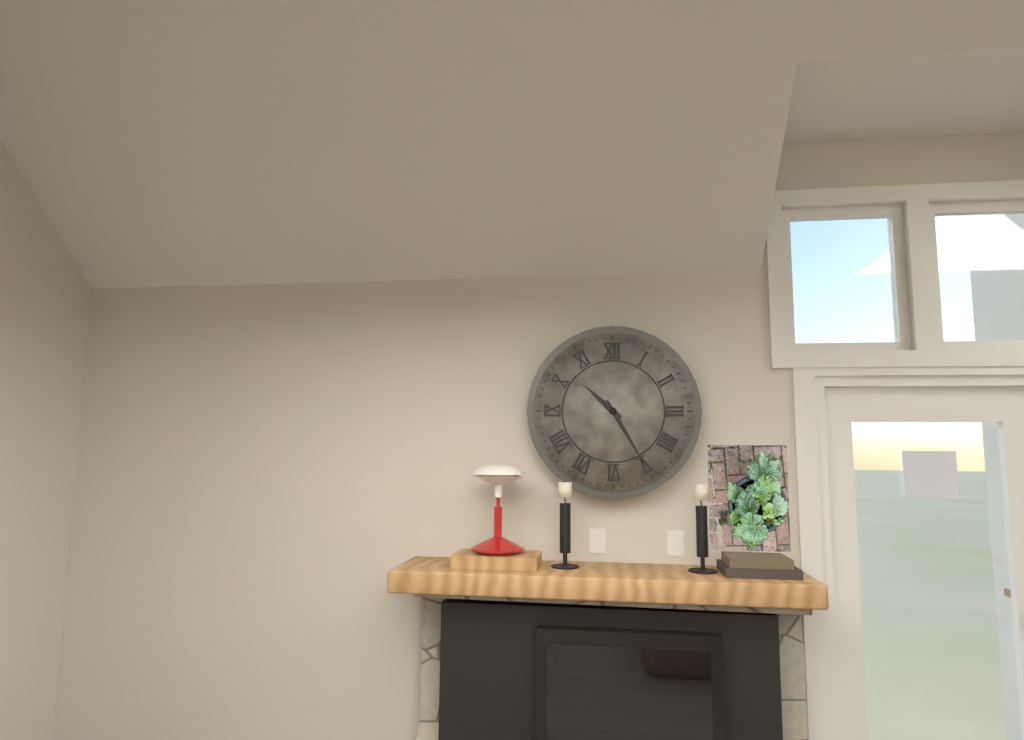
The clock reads **10:25**
